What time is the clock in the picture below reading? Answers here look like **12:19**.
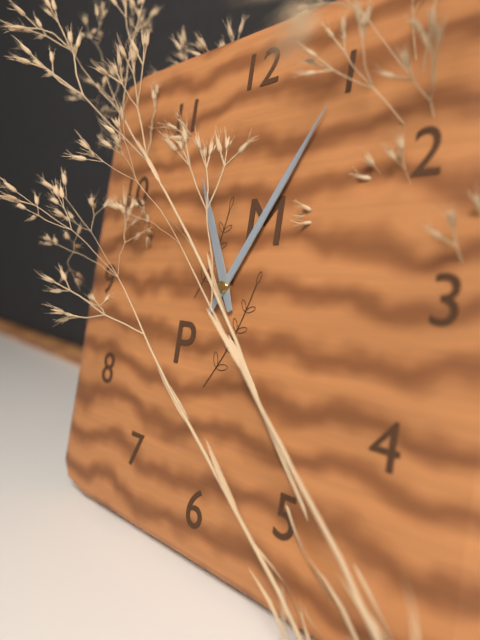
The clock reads **11:05**
